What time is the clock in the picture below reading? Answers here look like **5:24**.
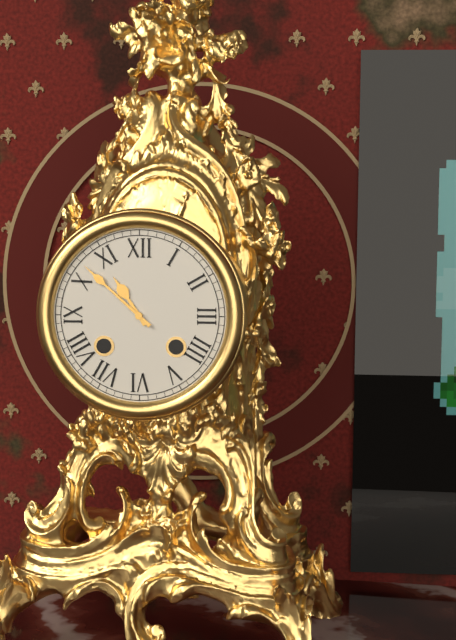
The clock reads **10:52**
